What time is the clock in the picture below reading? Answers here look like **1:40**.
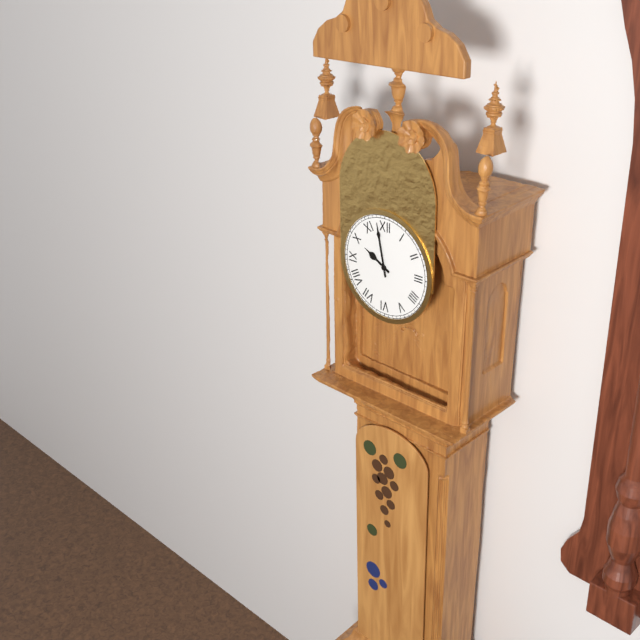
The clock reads **9:58**
